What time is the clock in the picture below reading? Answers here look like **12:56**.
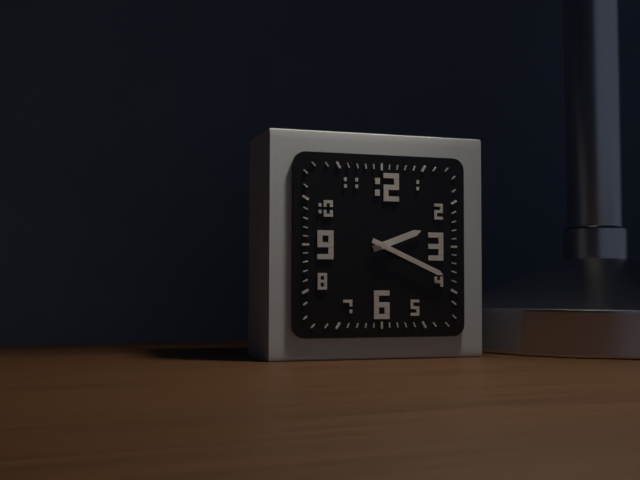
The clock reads **2:19**
